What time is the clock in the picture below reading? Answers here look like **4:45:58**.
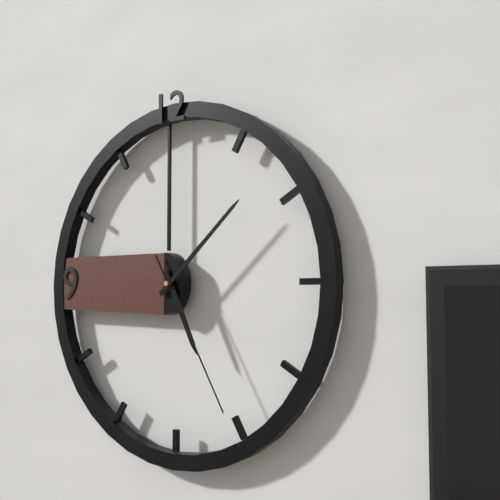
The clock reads **5:08:25**
